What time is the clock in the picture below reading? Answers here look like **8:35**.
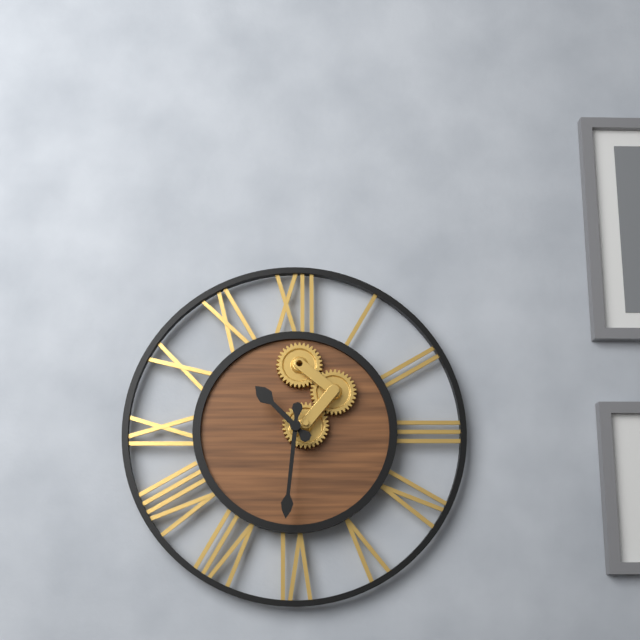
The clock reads **10:31**
